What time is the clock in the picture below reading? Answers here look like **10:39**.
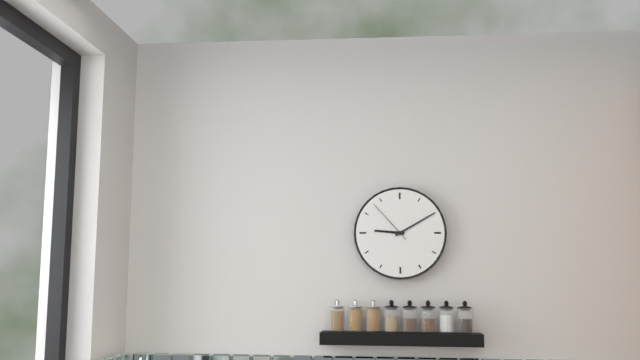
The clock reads **9:10**
